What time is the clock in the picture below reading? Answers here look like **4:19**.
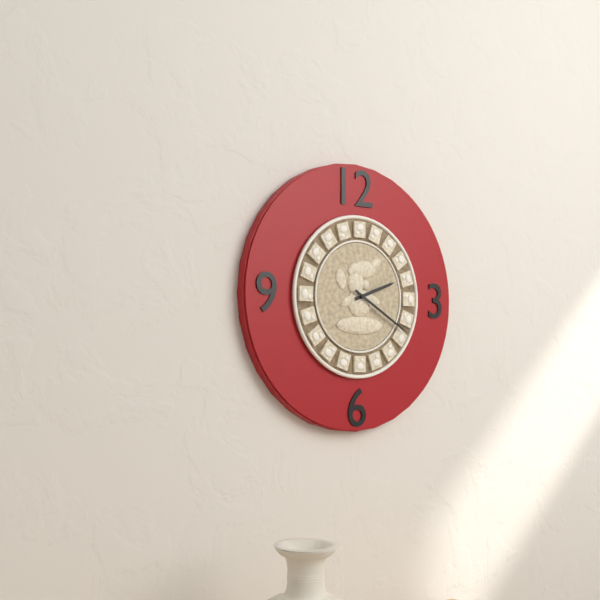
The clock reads **2:20**
